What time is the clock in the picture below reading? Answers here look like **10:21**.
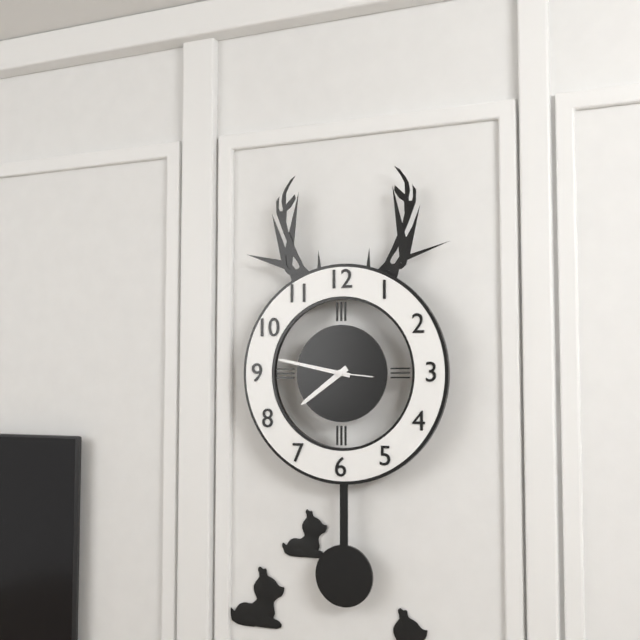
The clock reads **7:47**
